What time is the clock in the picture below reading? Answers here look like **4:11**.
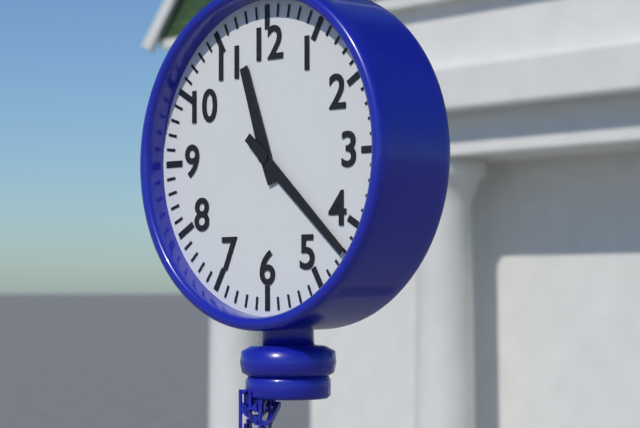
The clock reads **11:22**
